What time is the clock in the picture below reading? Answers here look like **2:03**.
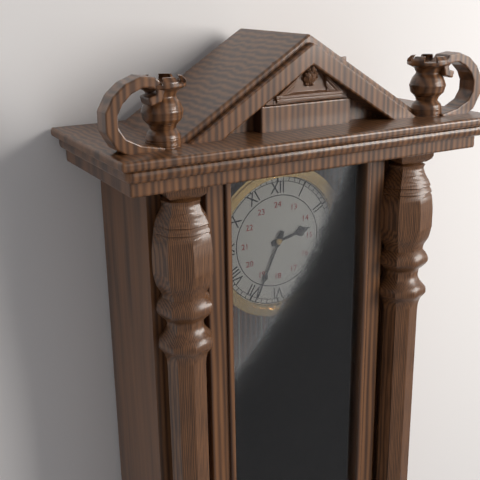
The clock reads **2:34**
